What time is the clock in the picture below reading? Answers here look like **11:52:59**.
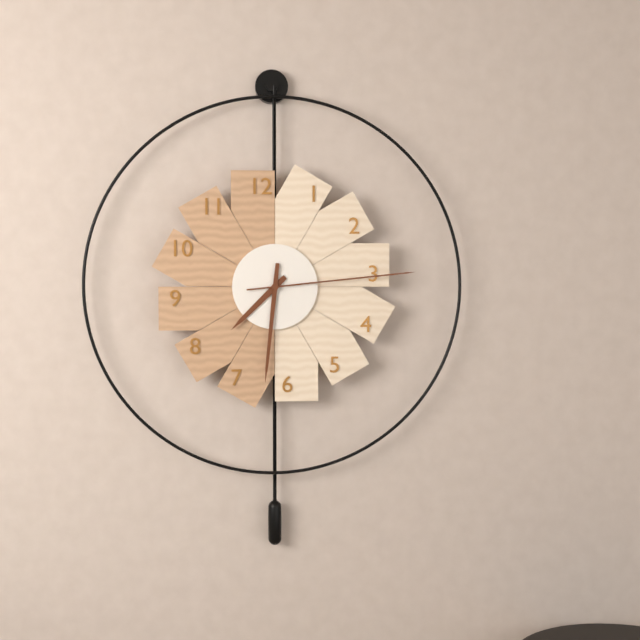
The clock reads **7:31:14**
